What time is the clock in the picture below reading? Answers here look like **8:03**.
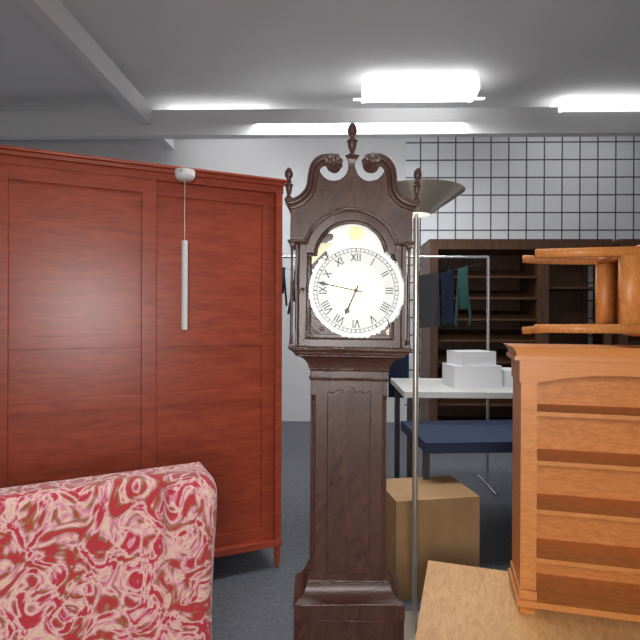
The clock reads **6:47**
